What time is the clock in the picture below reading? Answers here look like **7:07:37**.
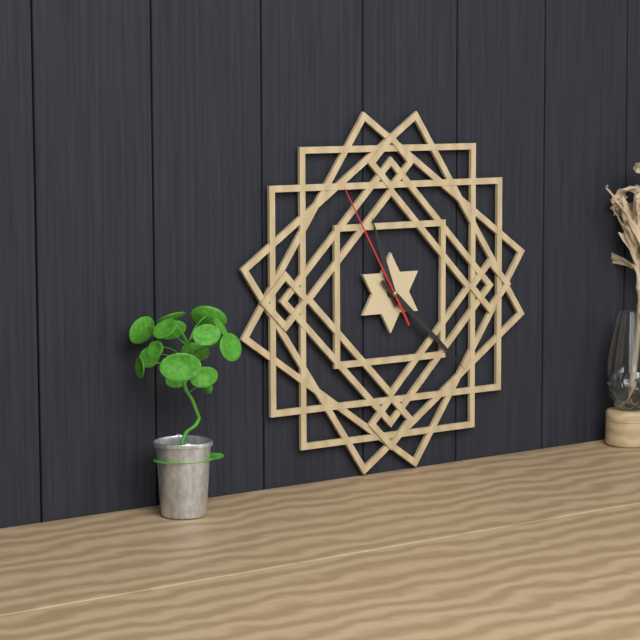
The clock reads **11:22:55**
